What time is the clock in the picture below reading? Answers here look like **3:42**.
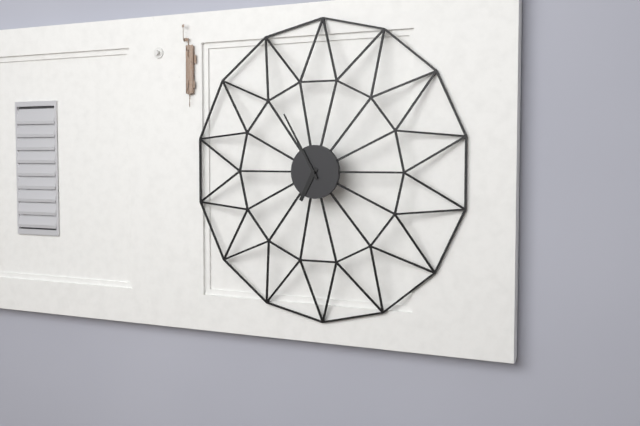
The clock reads **6:55**
